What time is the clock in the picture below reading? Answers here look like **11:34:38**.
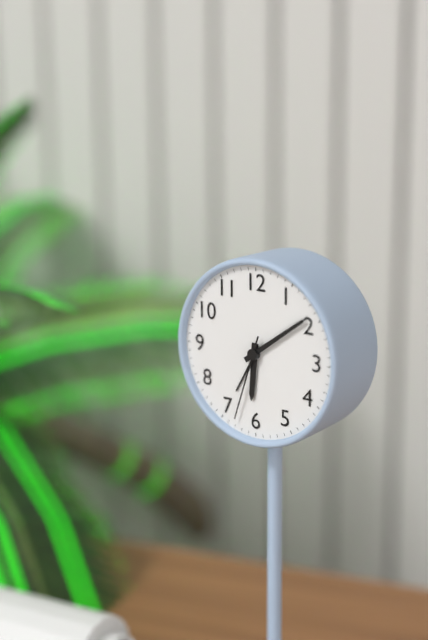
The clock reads **6:09:33**
